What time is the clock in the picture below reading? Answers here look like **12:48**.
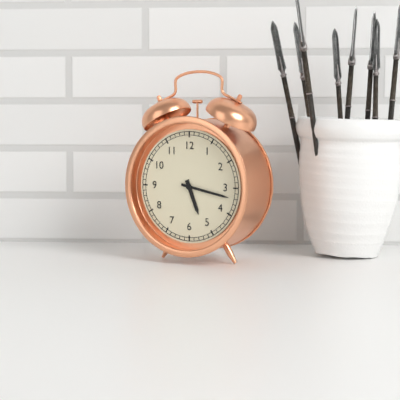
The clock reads **5:17**
